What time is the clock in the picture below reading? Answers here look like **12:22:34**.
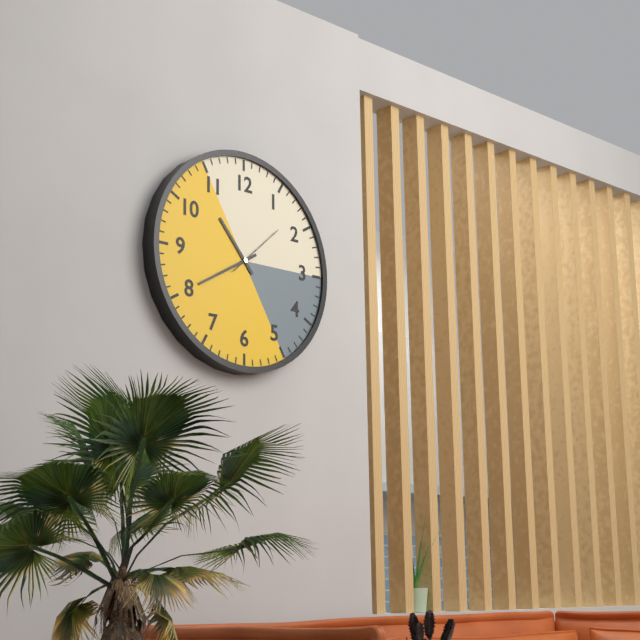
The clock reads **10:40:08**
